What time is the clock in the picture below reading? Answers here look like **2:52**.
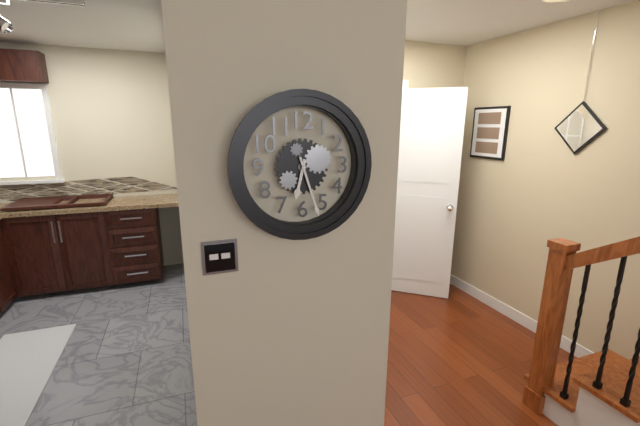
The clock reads **6:27**
